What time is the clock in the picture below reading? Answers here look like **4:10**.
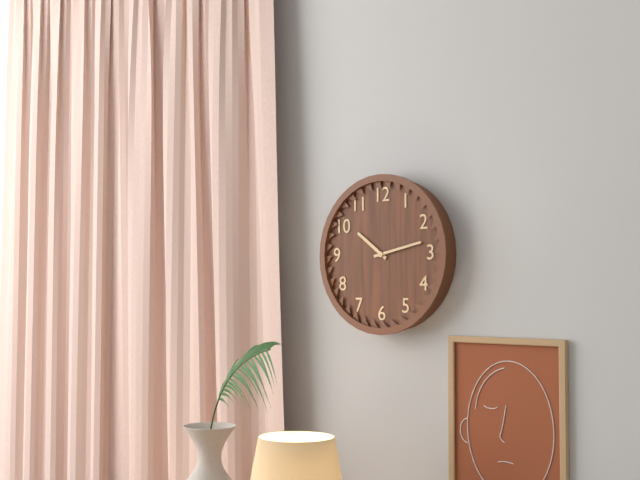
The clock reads **10:13**
